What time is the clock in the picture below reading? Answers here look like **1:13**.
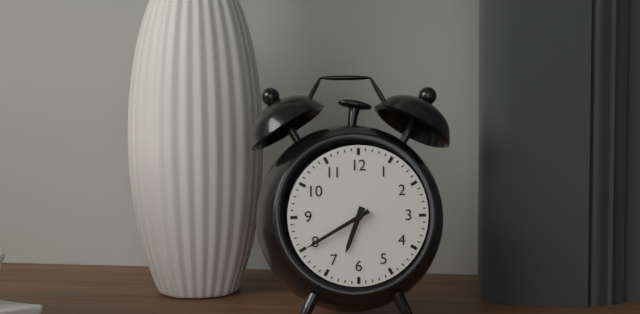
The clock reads **6:40**
